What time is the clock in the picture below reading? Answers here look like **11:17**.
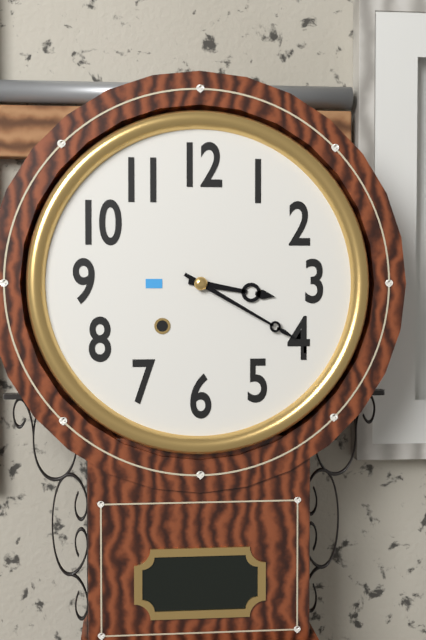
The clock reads **3:20**
